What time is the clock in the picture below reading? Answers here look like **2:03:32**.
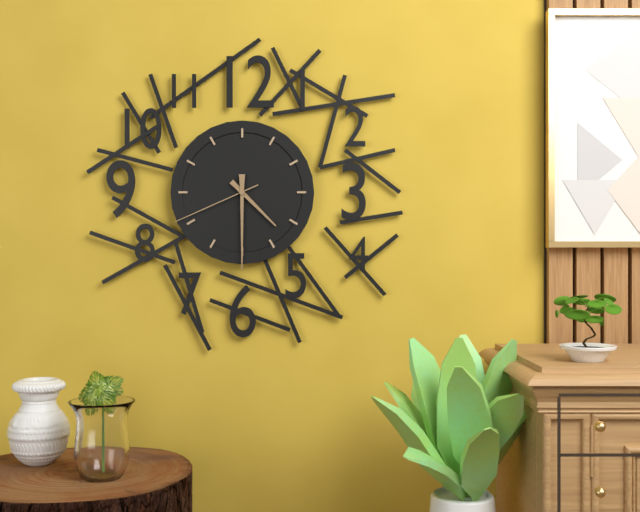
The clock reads **4:30:41**
